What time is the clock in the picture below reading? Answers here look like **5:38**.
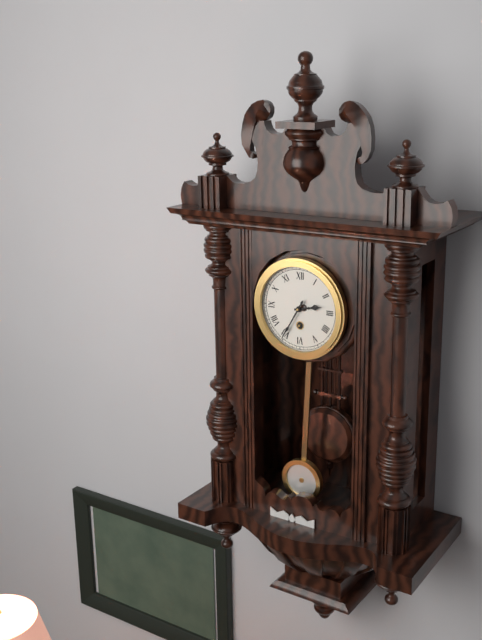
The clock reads **2:35**
